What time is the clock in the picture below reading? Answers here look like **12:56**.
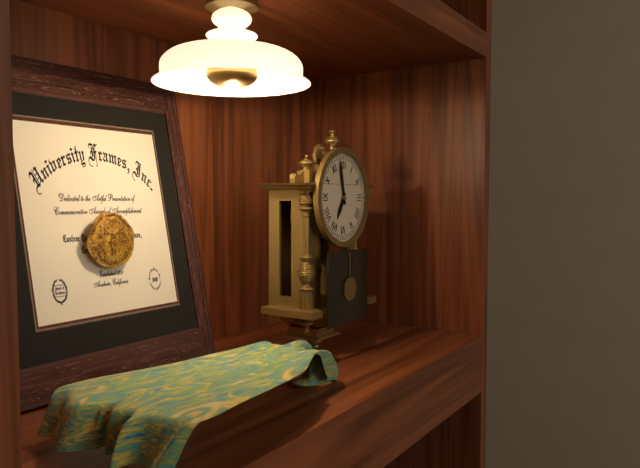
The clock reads **6:58**
